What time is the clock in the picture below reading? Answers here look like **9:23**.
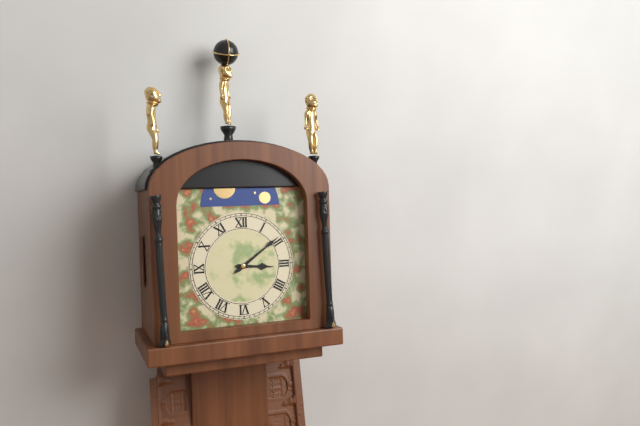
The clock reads **3:09**
